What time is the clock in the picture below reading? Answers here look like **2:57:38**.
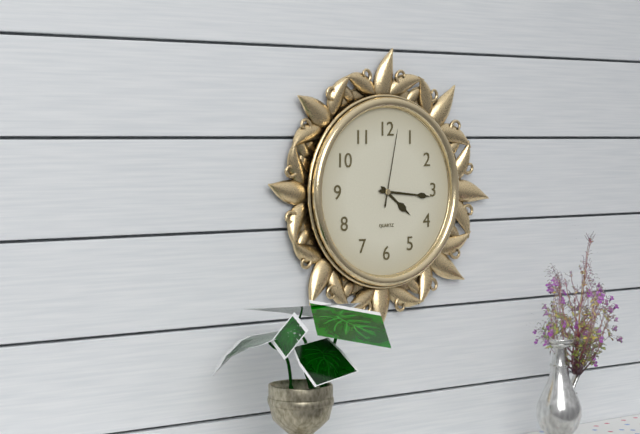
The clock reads **4:16:02**
